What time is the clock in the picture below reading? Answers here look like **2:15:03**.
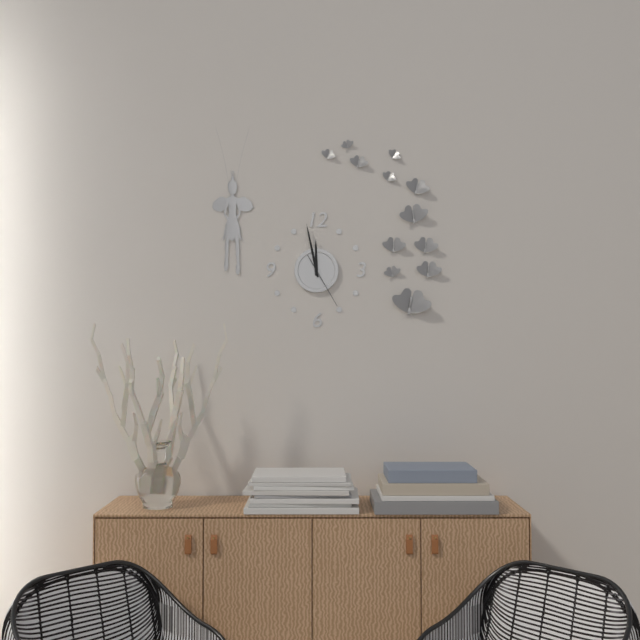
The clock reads **11:58:25**
